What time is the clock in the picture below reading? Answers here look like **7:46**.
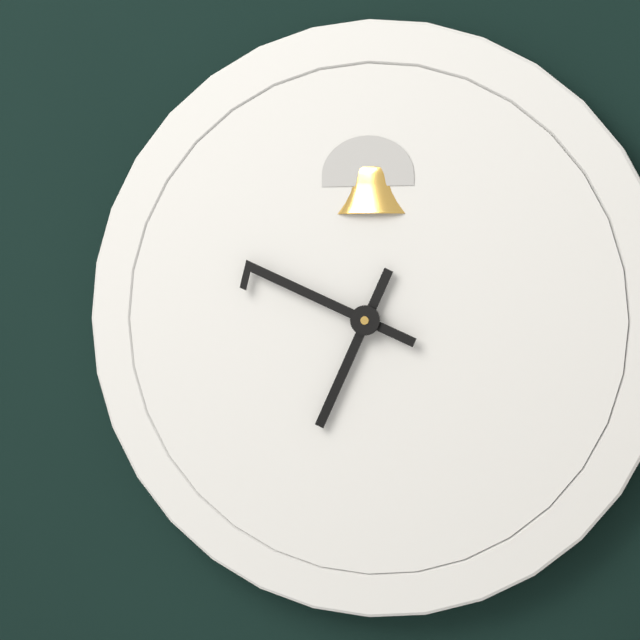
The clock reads **6:49**
